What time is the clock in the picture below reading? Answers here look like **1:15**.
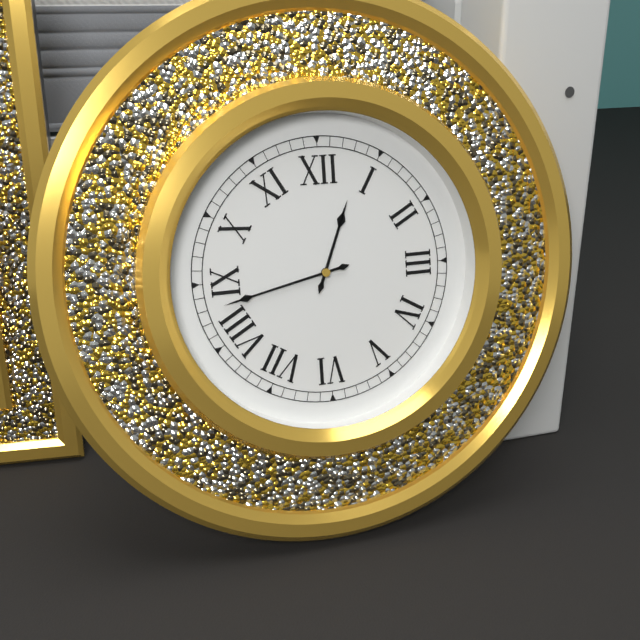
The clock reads **12:43**
